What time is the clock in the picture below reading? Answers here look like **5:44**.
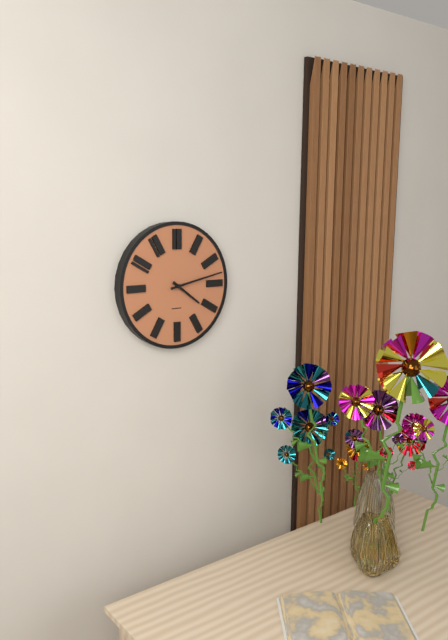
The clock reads **4:13**
